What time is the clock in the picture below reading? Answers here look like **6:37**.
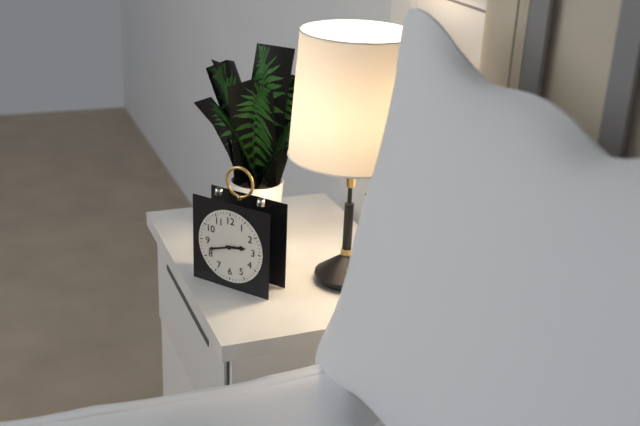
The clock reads **2:42**
